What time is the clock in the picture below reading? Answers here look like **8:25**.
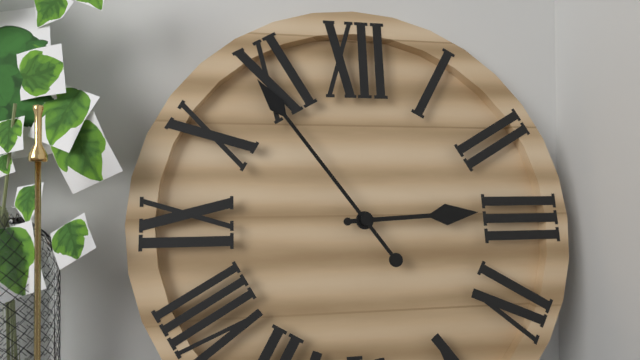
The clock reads **2:54**
